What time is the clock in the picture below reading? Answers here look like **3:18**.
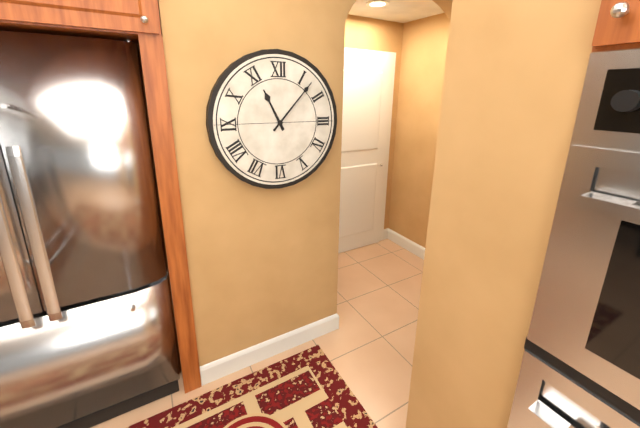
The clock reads **11:07**
